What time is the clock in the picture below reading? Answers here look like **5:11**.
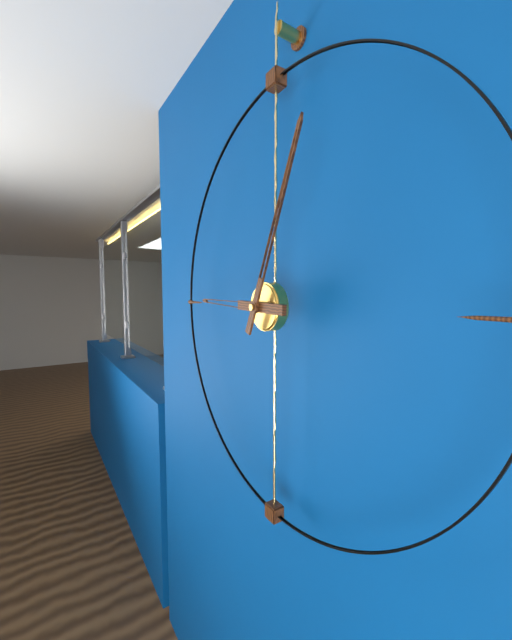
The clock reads **9:04**
